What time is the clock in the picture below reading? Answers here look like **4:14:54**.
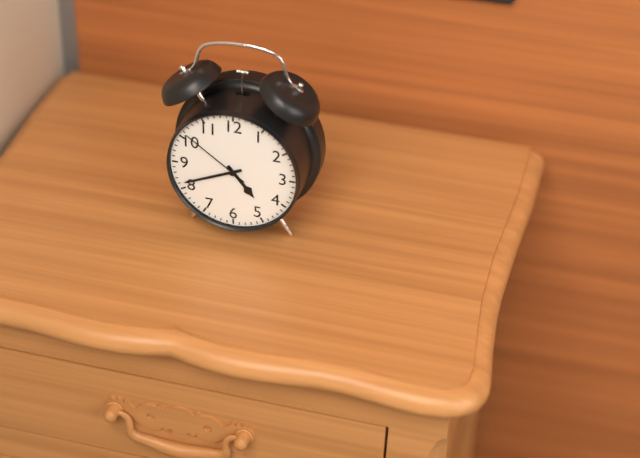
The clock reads **4:41:51**
